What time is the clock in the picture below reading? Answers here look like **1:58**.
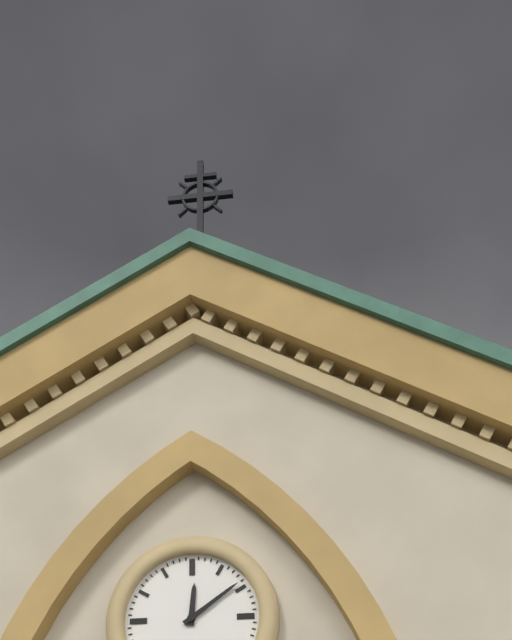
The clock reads **12:09**
